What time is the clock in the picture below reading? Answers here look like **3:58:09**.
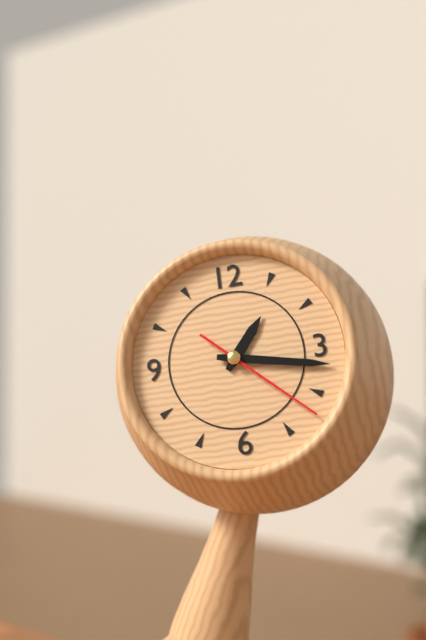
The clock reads **1:17:22**
